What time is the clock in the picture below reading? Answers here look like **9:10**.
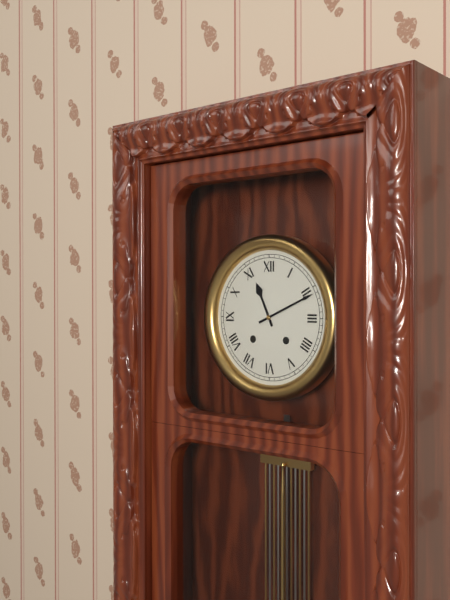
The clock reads **11:11**
